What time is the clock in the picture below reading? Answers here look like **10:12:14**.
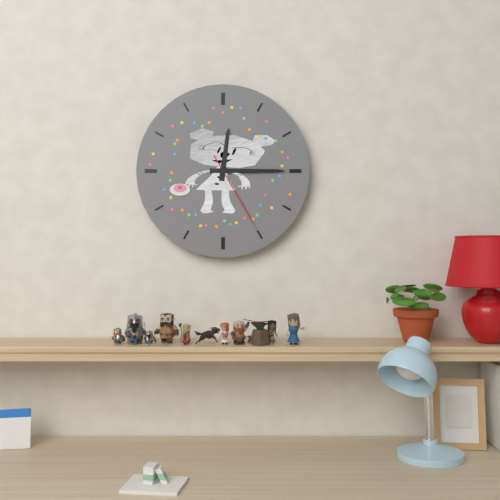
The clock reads **12:15:25**
